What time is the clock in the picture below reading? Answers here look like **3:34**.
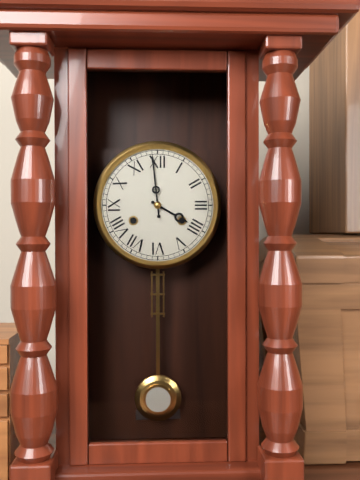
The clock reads **3:59**
